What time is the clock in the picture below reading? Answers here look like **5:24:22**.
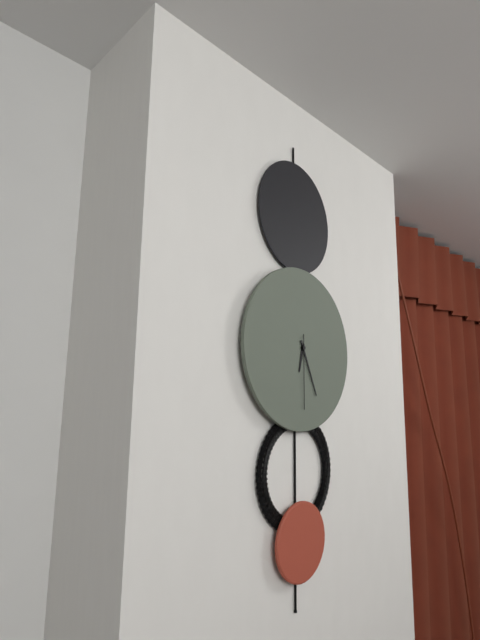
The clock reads **6:26:30**
